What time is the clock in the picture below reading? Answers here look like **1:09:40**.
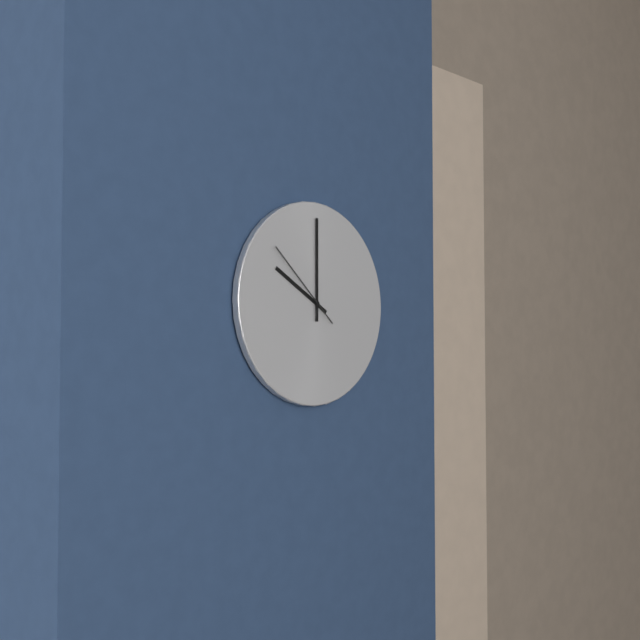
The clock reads **10:00:52**
